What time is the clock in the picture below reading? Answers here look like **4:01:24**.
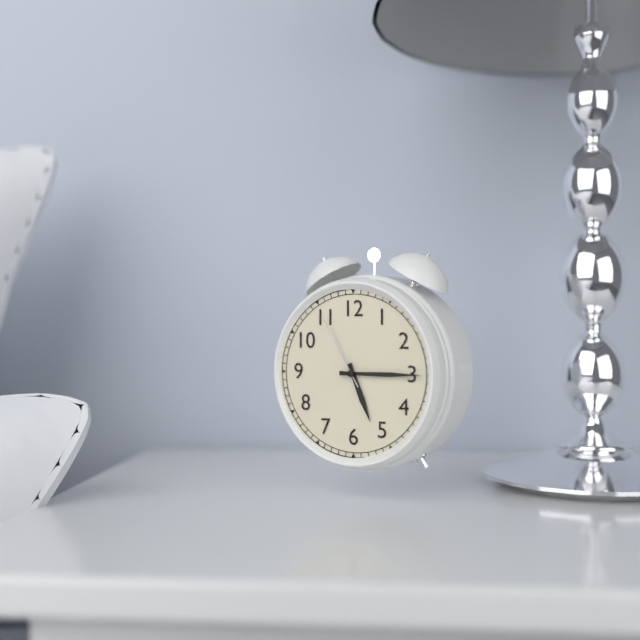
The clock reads **5:15:55**
